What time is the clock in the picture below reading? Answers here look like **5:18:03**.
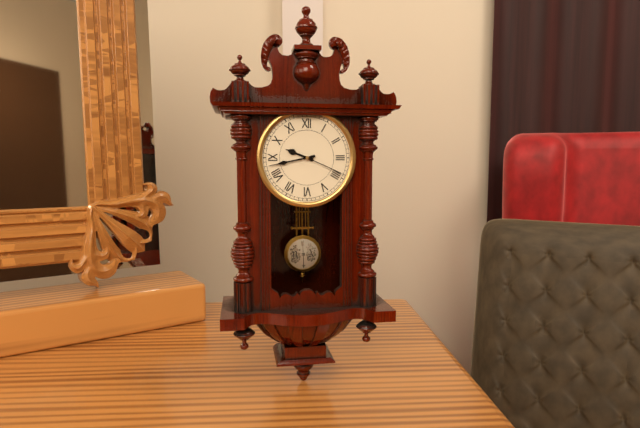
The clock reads **9:43:19**
